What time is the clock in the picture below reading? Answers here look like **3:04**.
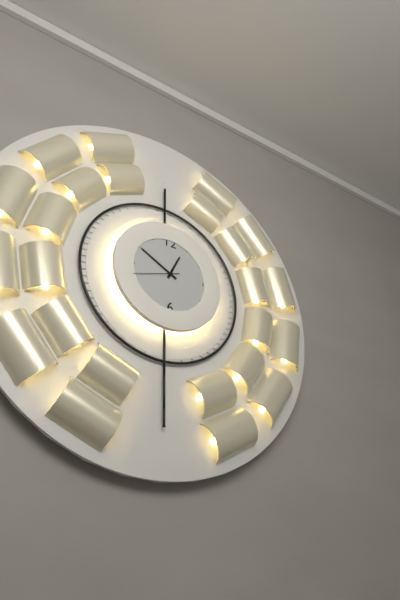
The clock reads **12:50**
